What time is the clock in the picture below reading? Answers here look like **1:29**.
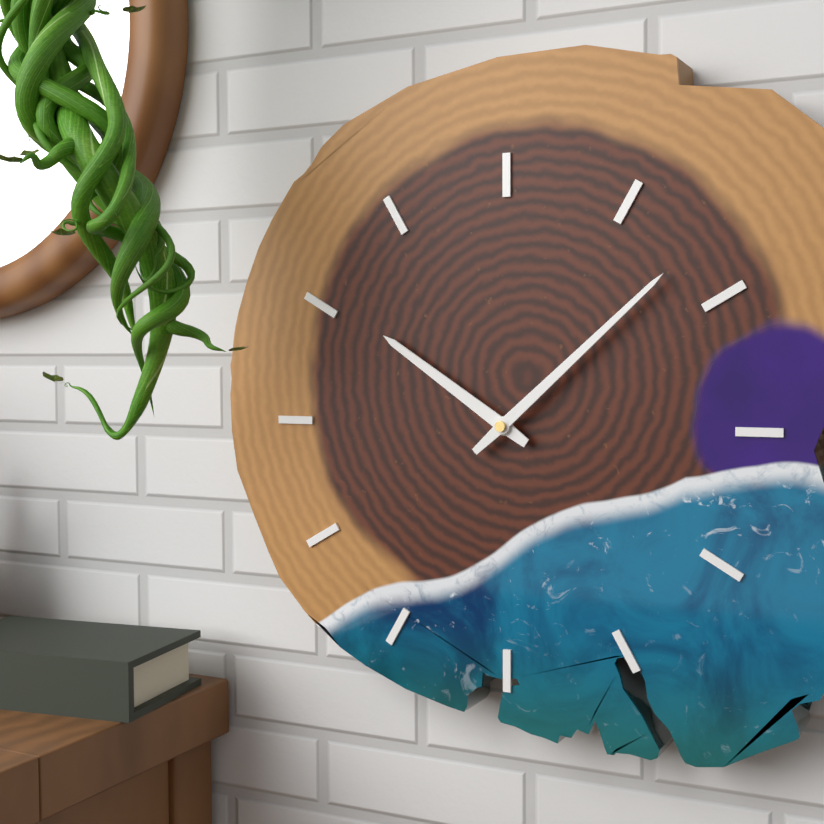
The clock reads **10:08**
